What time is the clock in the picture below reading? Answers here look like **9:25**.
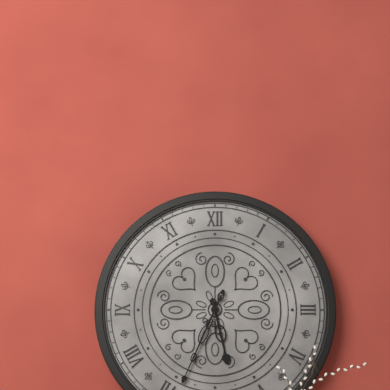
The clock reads **5:34**
